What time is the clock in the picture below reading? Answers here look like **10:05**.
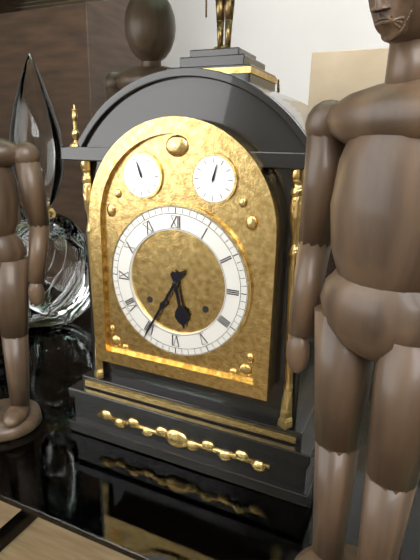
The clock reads **5:35**
